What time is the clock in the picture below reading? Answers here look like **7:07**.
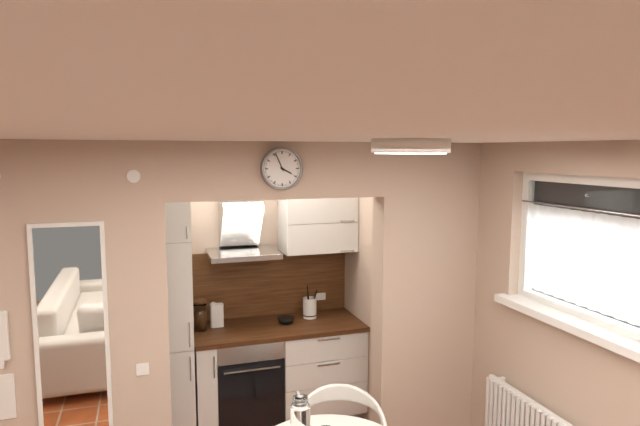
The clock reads **3:56**
